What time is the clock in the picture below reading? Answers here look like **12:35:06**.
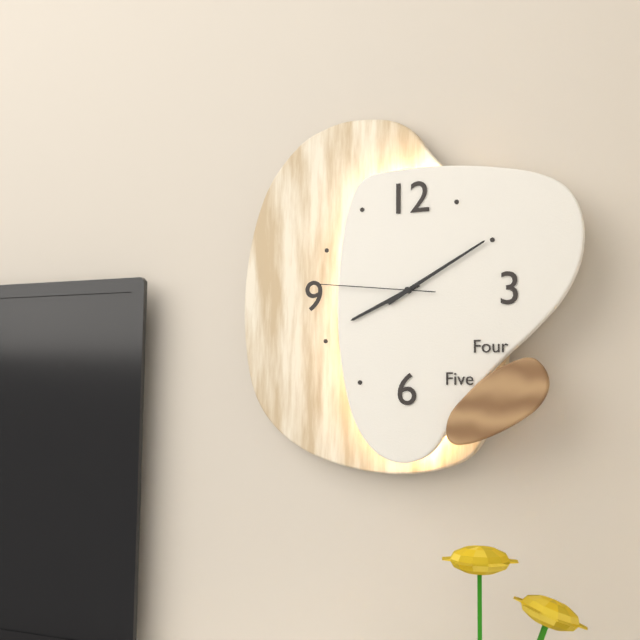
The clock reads **8:10:46**
